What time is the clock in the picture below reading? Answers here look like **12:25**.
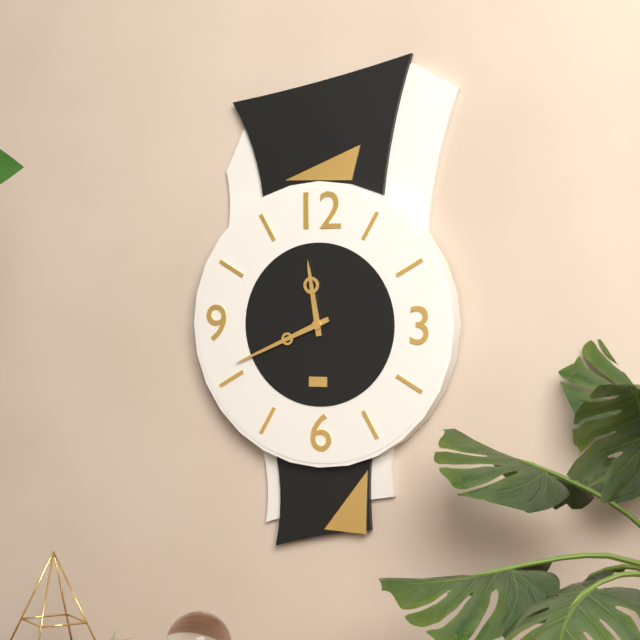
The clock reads **11:41**
